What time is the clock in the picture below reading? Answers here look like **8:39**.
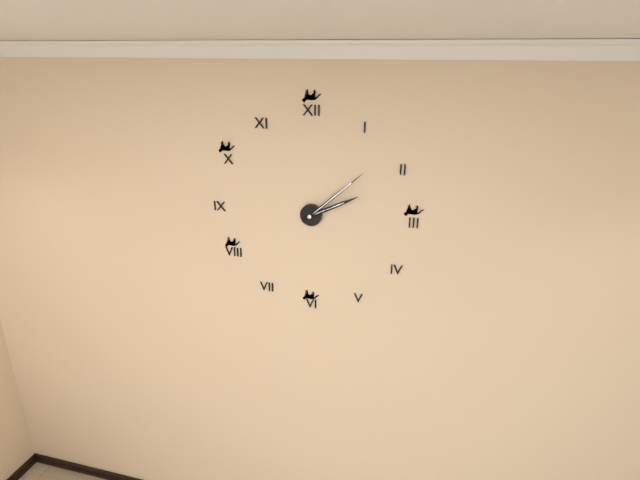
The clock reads **2:08**
